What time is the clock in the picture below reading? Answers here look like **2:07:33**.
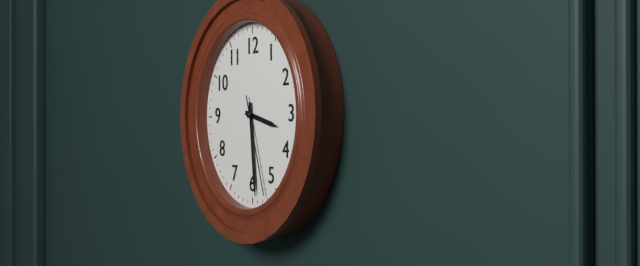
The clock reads **3:29:27**
